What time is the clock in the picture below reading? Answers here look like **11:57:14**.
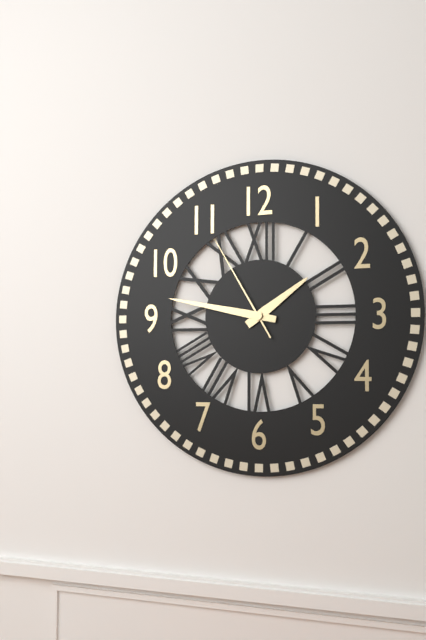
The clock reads **1:47:55**
